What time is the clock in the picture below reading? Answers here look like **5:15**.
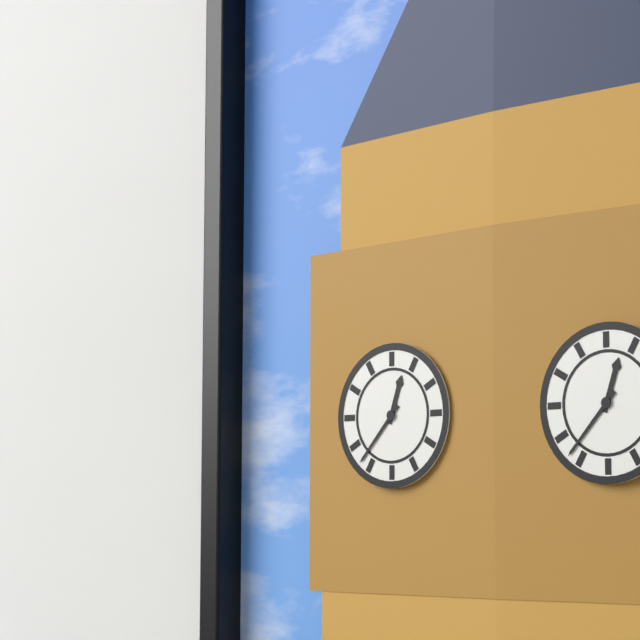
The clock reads **12:37**
